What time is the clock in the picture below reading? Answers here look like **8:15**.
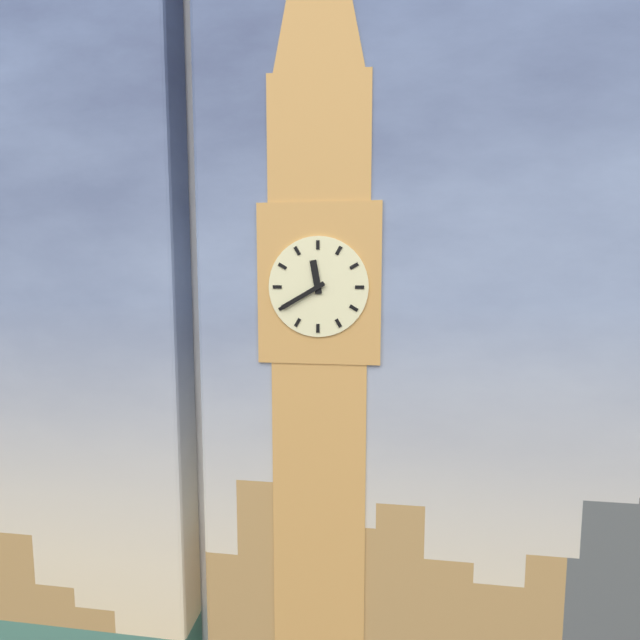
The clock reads **11:40**
